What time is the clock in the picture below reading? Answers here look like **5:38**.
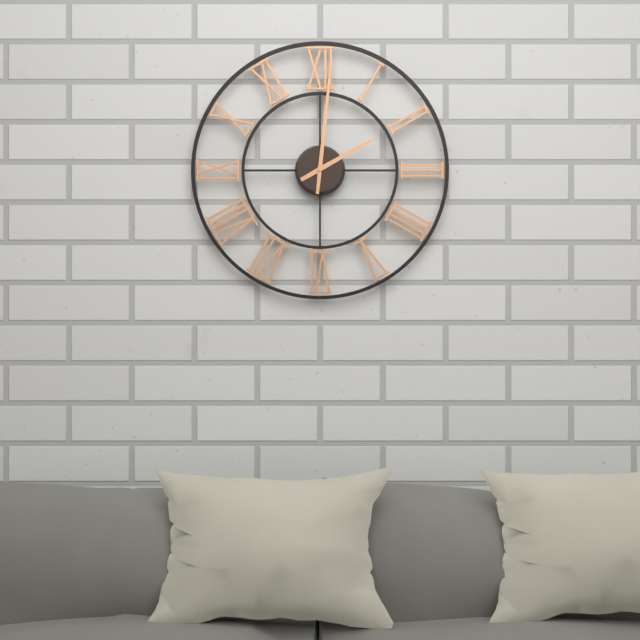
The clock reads **2:01**
